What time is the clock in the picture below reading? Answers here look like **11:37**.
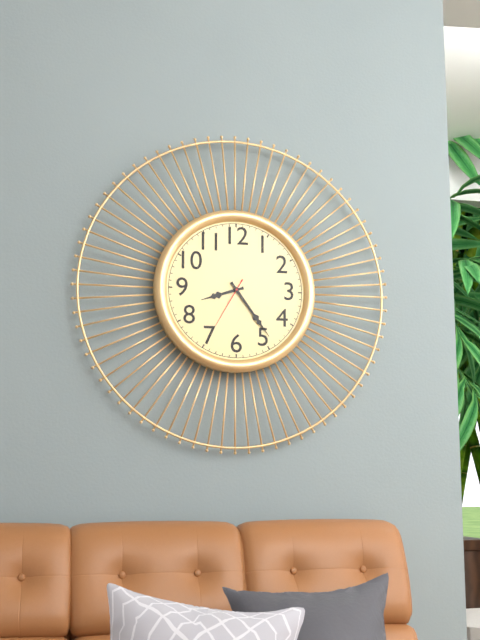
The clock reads **8:24**
